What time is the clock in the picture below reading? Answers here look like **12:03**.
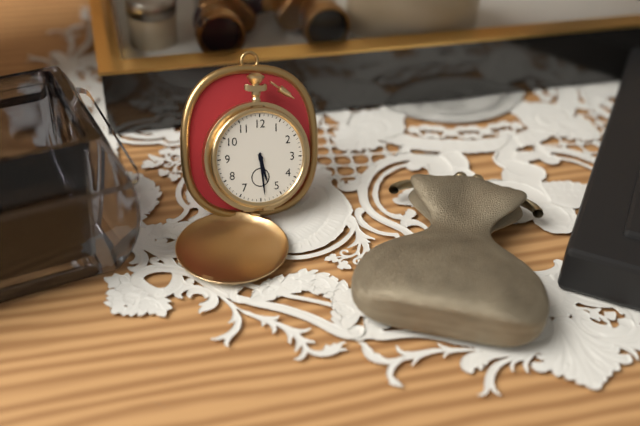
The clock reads **5:29**
